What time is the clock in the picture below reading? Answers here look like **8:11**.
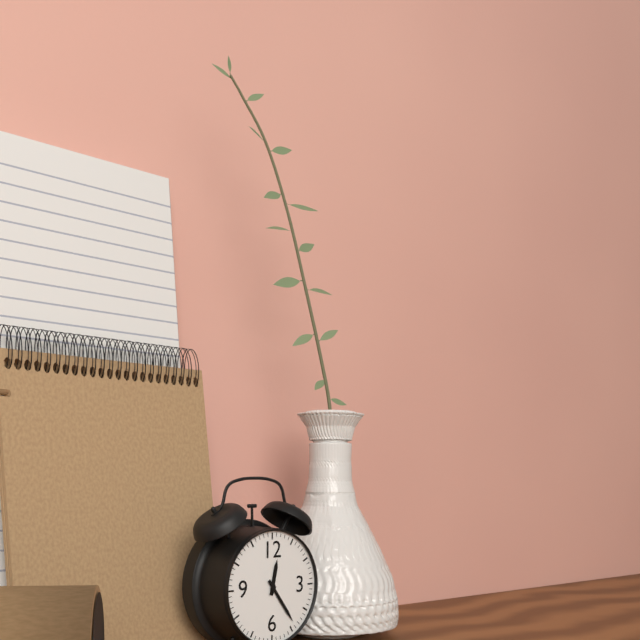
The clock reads **12:24**
